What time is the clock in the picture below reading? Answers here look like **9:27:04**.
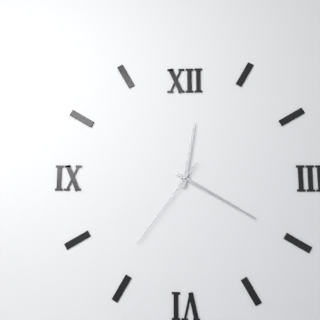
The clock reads **12:20:36**
